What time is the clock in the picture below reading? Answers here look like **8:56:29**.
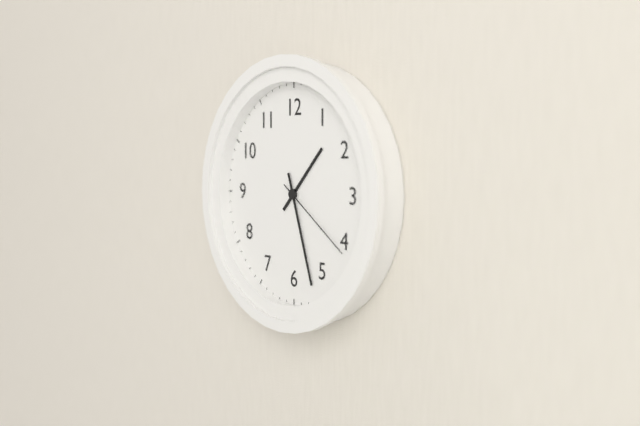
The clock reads **1:27:21**
